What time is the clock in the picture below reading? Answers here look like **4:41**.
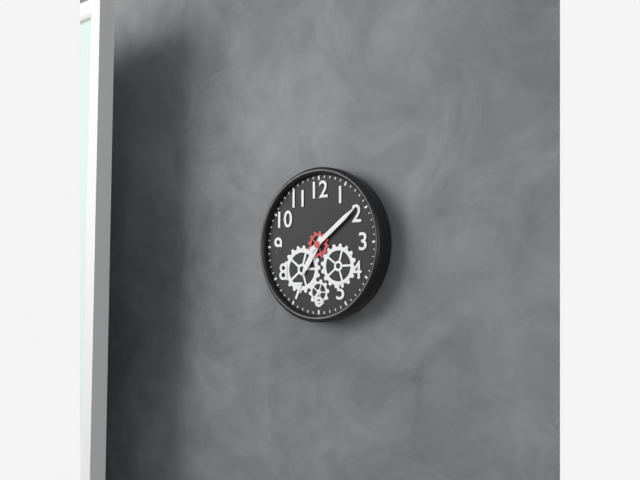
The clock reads **7:09**
